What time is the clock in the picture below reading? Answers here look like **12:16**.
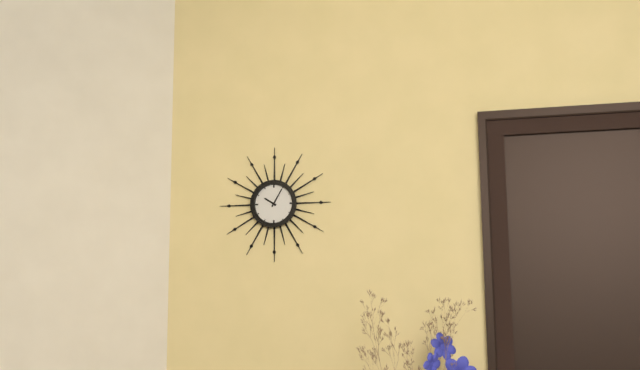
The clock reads **10:05**
